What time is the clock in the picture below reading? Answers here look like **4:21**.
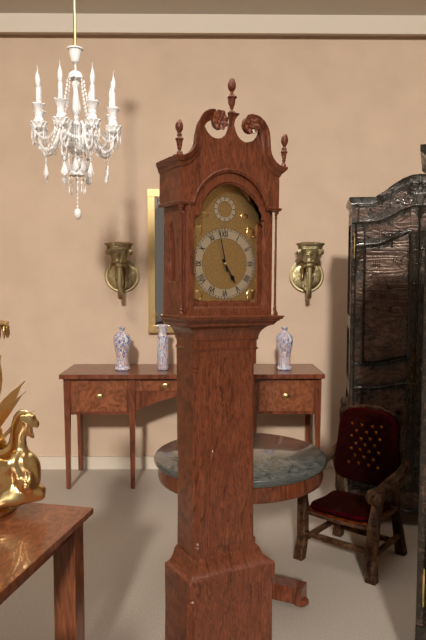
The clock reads **4:58**
